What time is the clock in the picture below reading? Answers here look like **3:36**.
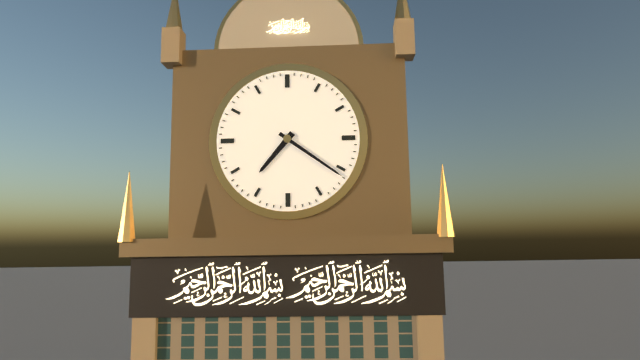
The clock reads **7:21**
